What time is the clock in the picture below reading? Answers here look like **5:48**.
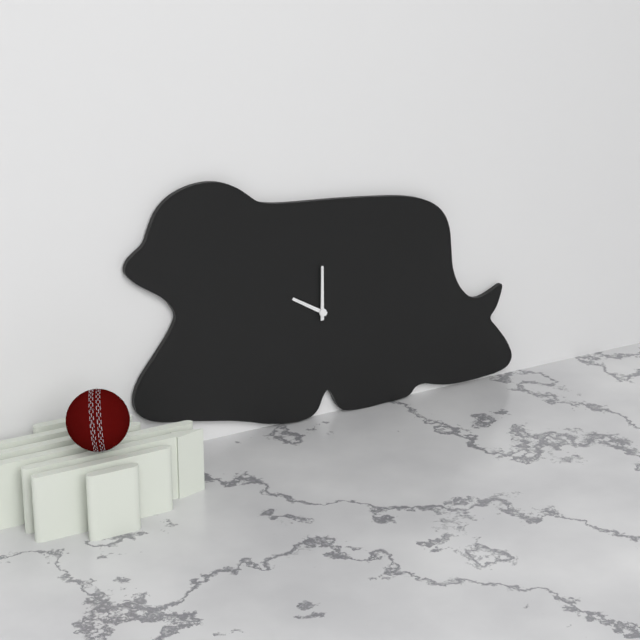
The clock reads **10:00**
